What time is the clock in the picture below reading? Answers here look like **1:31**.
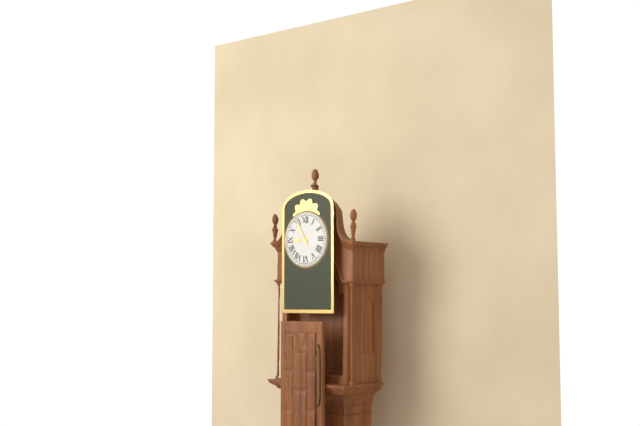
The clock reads **8:55**
